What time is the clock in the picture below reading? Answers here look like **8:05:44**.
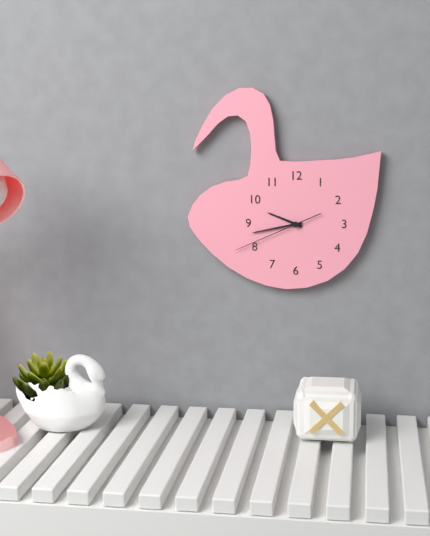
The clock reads **9:43:41**
